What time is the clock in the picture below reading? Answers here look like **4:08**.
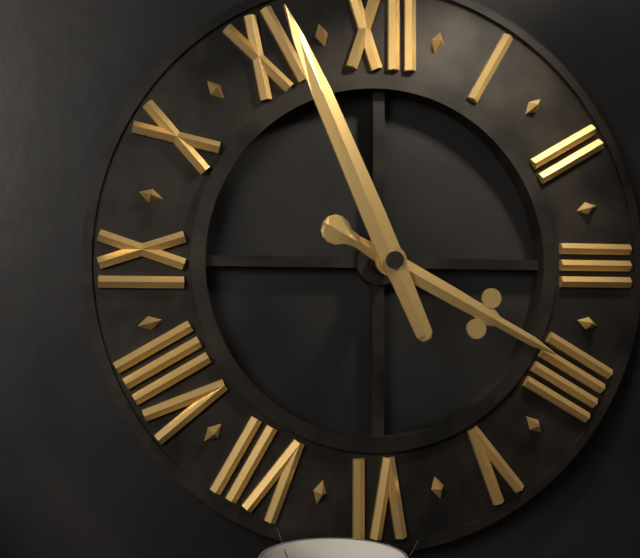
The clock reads **3:56**
